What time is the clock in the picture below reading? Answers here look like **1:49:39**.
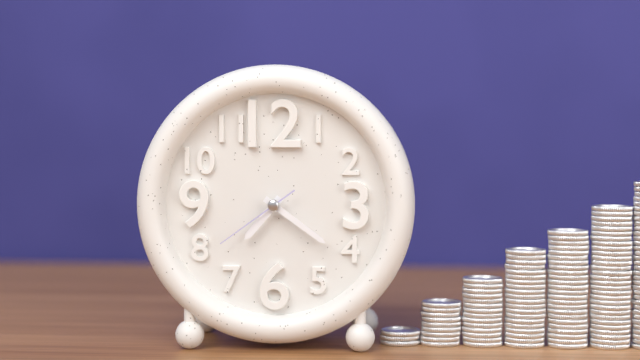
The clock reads **7:21:39**
